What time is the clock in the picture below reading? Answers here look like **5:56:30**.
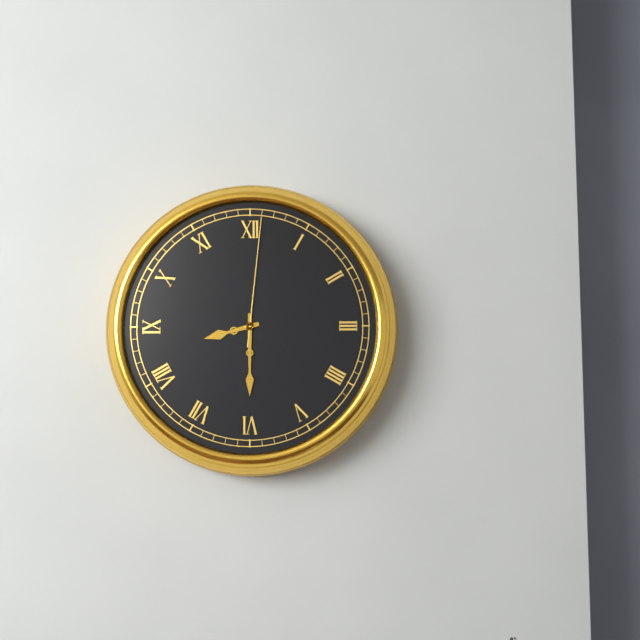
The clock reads **8:30:01**
